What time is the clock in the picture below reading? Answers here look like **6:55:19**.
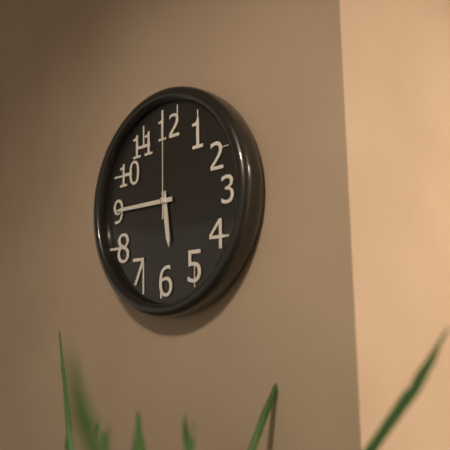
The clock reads **5:45:00**
